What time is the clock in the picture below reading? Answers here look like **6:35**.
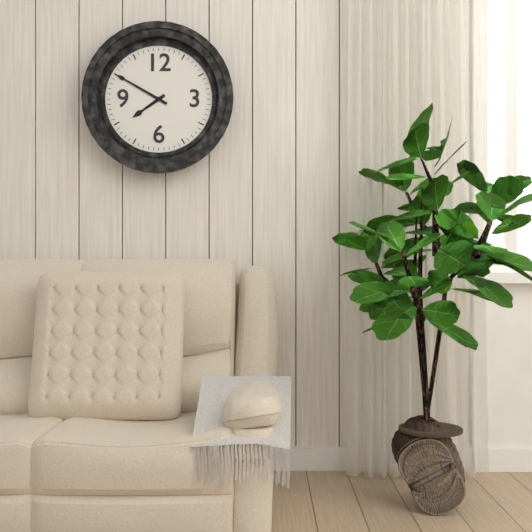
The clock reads **7:50**
